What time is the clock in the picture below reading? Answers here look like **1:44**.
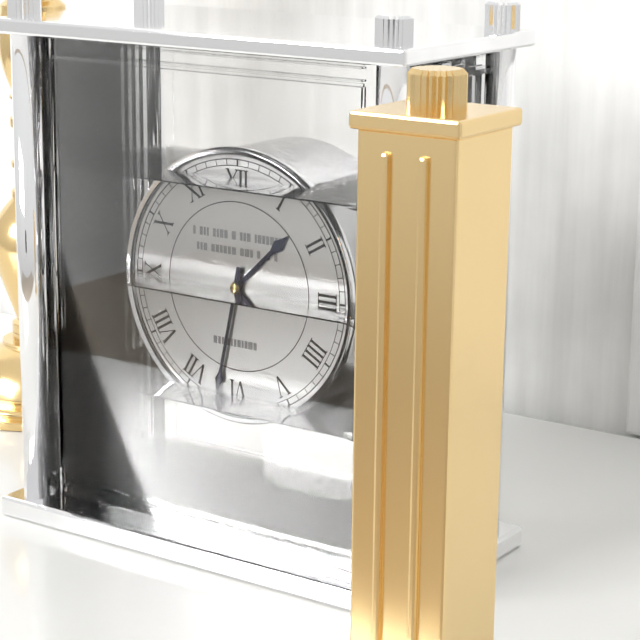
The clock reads **1:32**
